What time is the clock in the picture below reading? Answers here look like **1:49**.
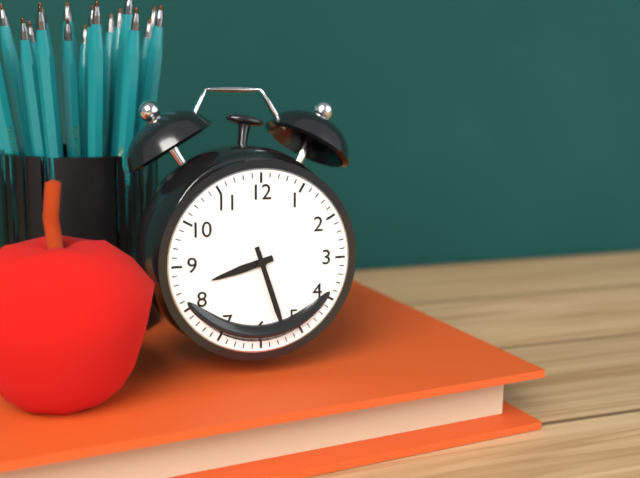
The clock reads **8:27**
